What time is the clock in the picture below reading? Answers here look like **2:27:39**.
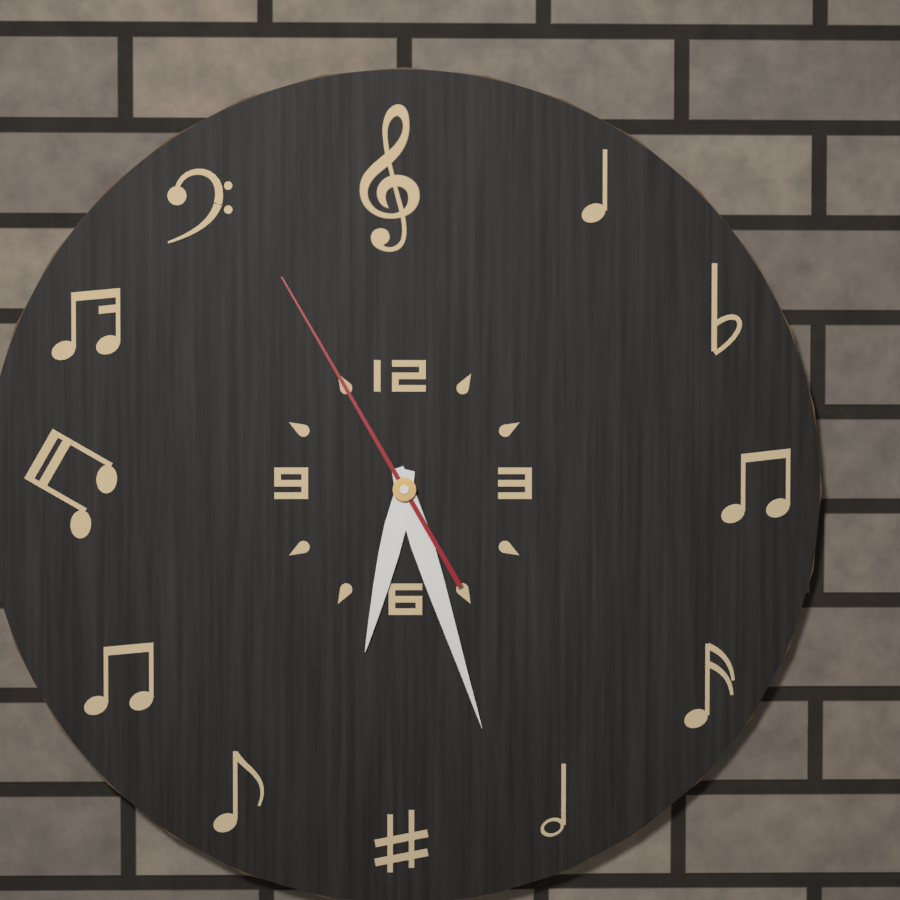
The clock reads **6:27:55**
